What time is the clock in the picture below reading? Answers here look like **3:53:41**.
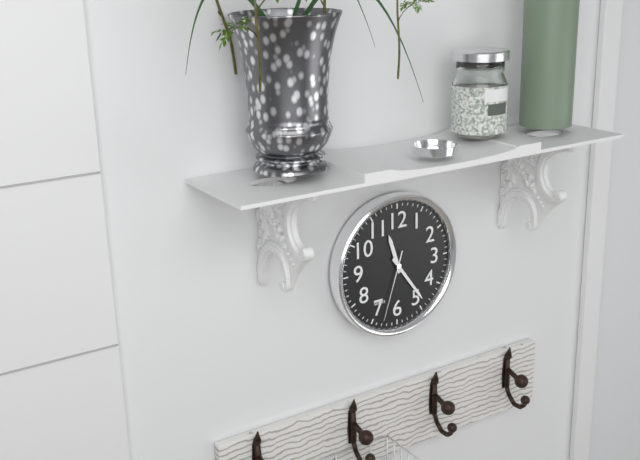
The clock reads **11:24:33**
